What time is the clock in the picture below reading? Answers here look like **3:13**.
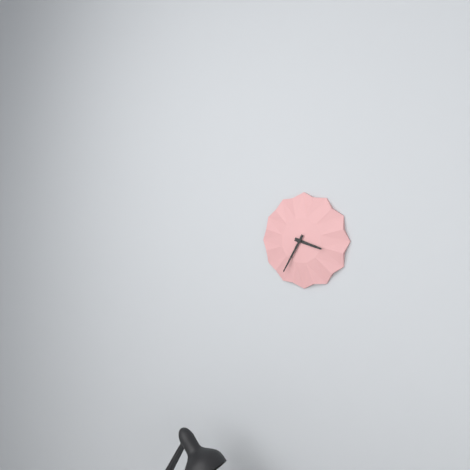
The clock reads **3:35**
